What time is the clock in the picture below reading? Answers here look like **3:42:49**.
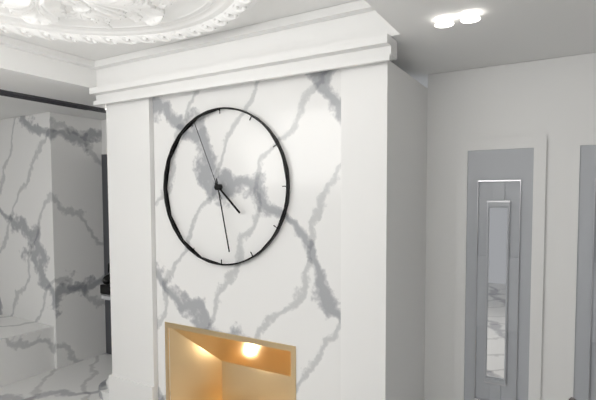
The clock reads **4:28:56**
